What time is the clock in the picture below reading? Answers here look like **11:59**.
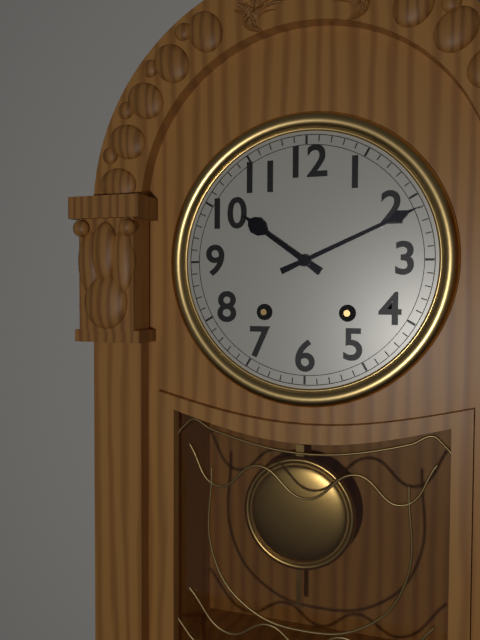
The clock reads **10:11**
